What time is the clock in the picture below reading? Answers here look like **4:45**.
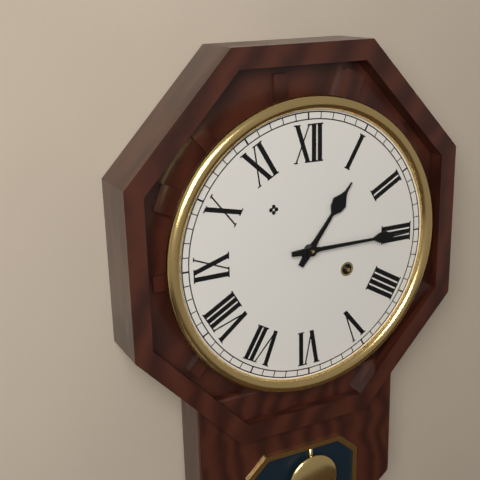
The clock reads **1:15**
